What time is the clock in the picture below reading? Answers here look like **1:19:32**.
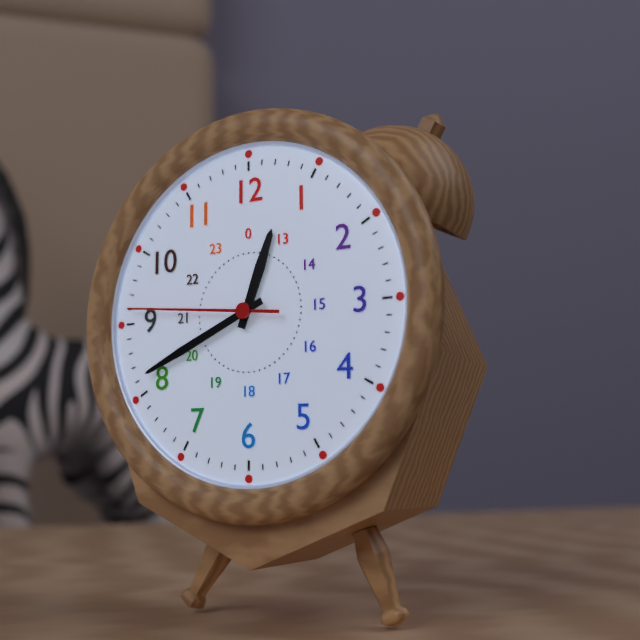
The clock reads **12:41:46**
